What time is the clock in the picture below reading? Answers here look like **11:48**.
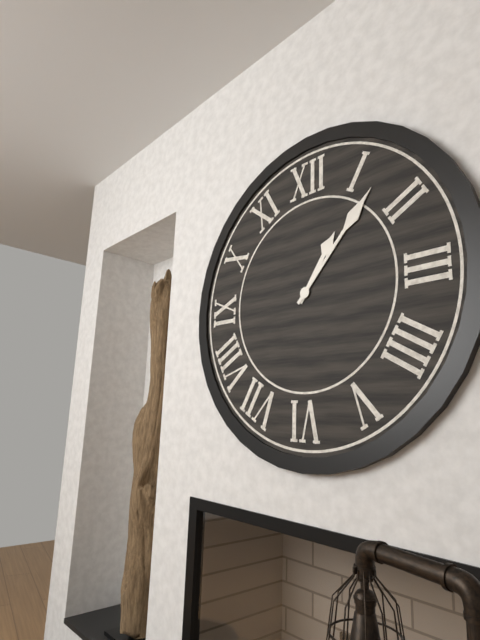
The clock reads **1:07**
